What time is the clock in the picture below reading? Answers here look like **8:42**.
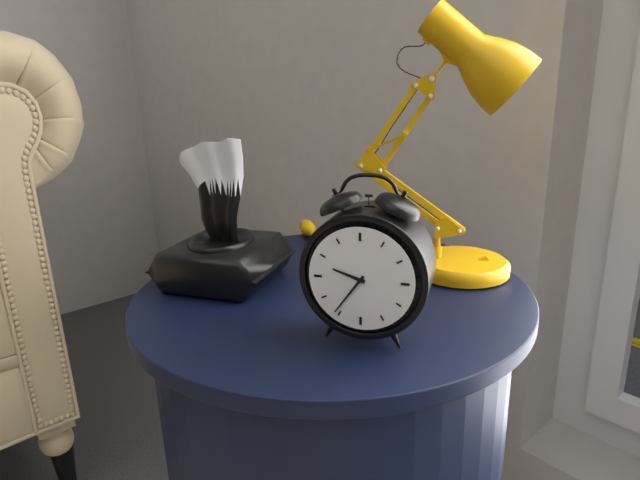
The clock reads **9:36**
